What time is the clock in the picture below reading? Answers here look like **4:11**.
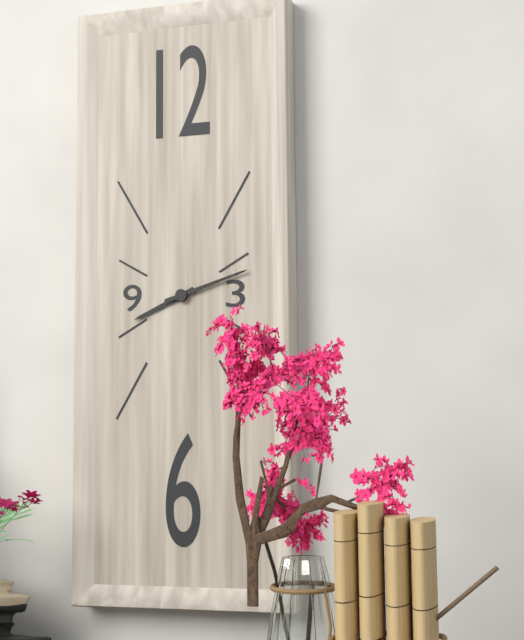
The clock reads **8:12**
